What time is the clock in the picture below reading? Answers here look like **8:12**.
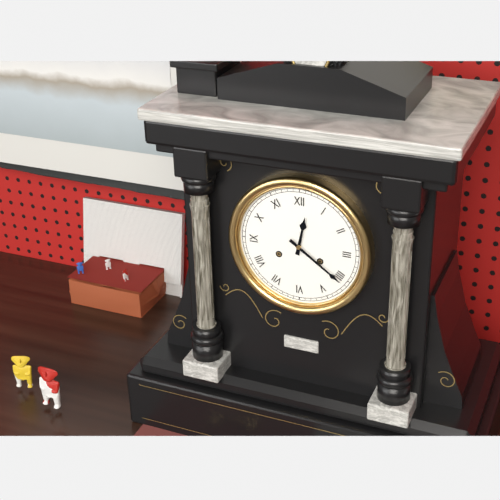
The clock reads **12:21**
